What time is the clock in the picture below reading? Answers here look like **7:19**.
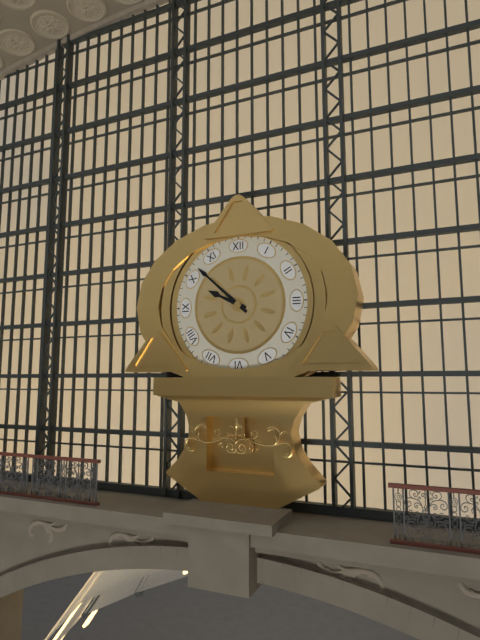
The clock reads **9:52**
